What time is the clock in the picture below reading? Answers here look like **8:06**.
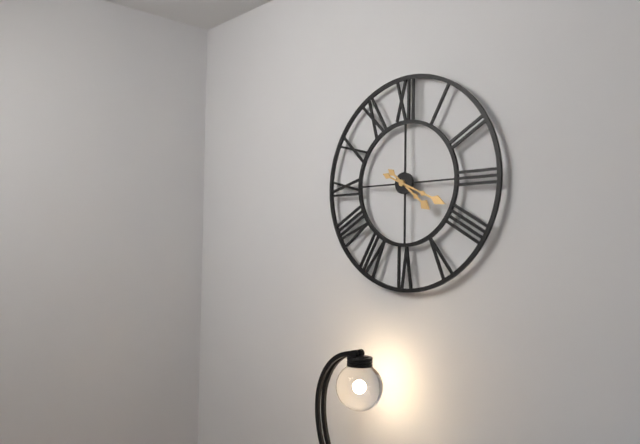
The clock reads **4:19**
